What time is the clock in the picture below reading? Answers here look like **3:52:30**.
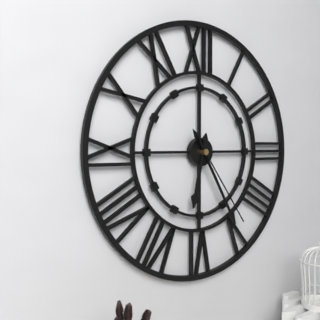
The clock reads **6:25:24**
